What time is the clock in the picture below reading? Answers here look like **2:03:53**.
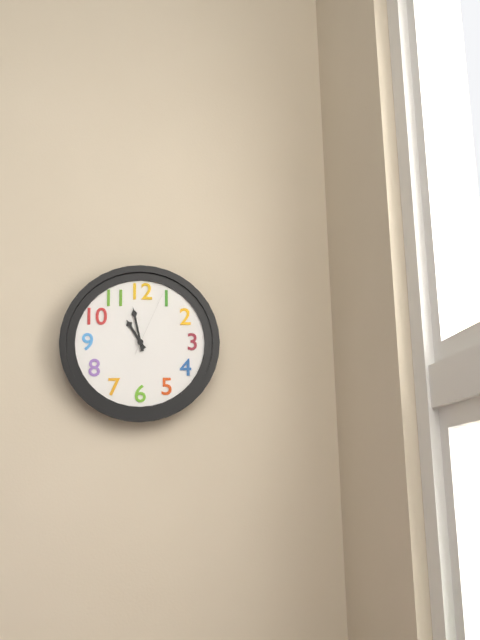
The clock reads **10:58:04**
